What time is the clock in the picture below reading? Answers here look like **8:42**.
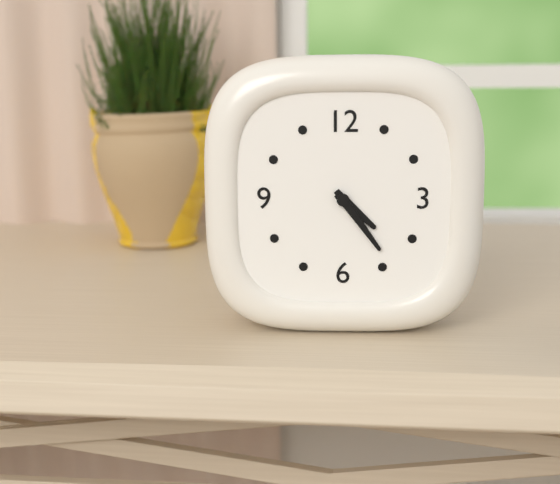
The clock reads **4:24**
